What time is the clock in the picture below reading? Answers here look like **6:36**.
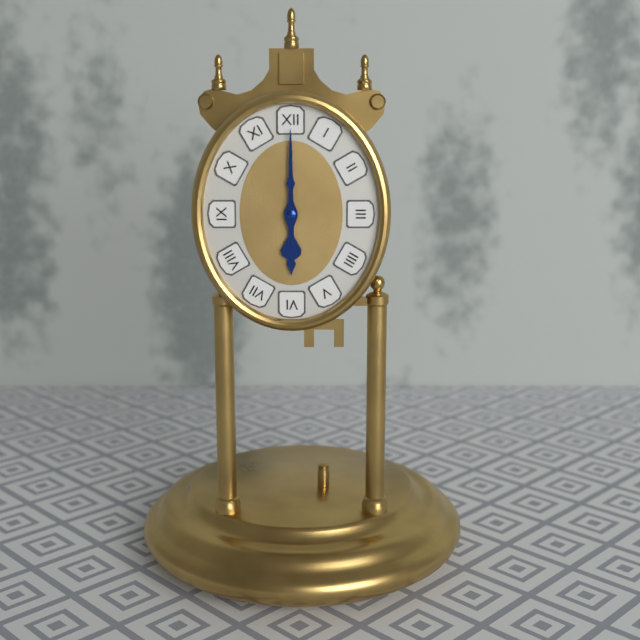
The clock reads **6:00**
